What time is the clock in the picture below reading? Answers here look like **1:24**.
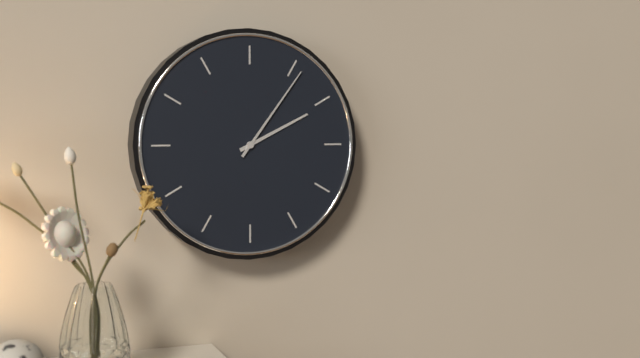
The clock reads **2:06**
